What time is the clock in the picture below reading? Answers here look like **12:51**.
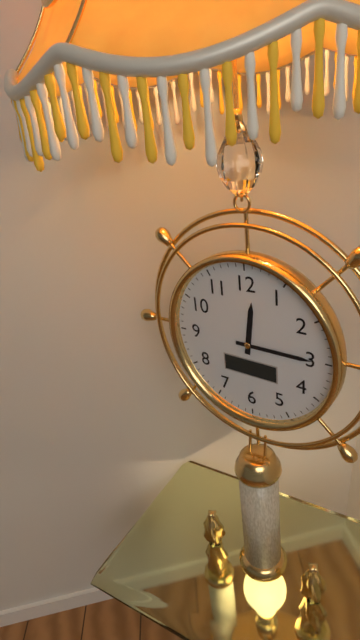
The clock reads **12:15**
